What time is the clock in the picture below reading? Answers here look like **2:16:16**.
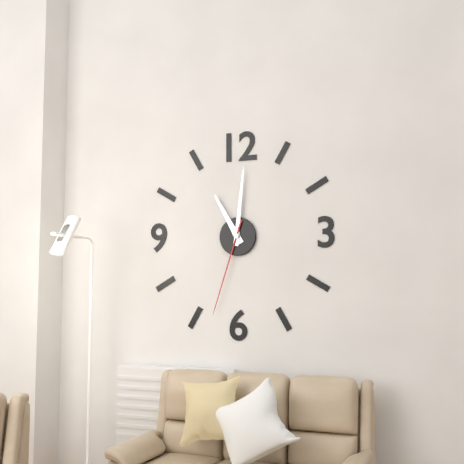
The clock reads **11:01:33**
